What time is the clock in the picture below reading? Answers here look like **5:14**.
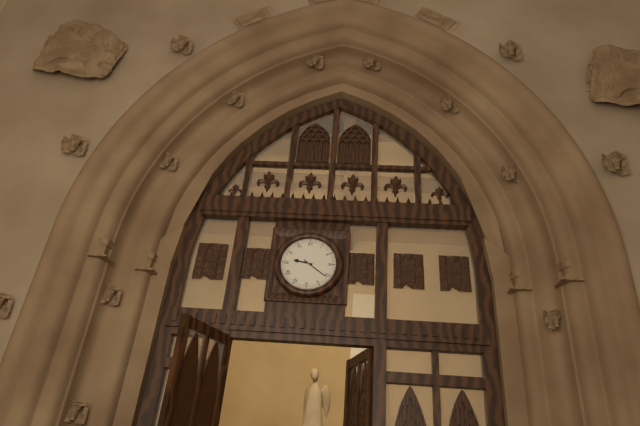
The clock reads **9:21**
